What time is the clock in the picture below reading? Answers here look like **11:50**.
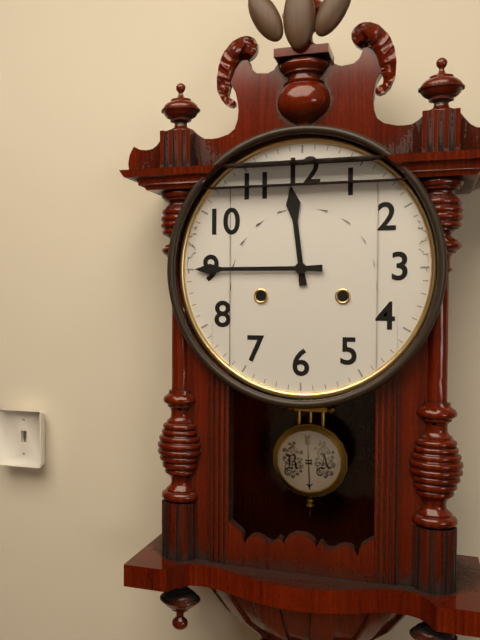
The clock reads **11:45**
